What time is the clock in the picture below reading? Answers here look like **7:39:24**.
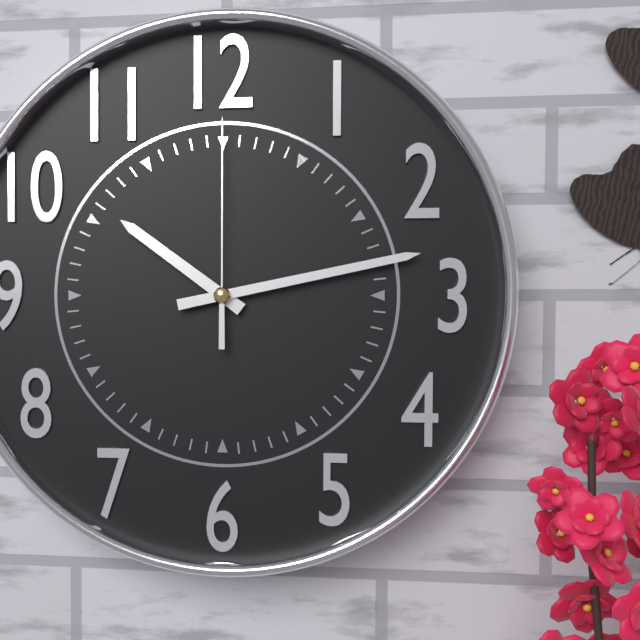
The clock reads **10:13:00**
